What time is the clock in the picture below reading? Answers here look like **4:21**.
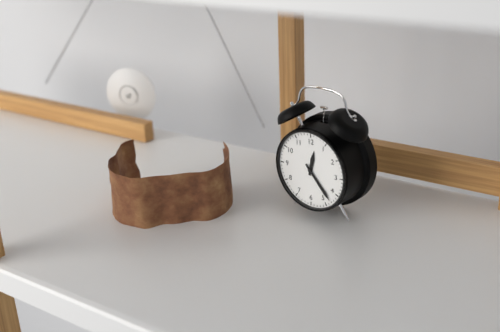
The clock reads **12:23**
